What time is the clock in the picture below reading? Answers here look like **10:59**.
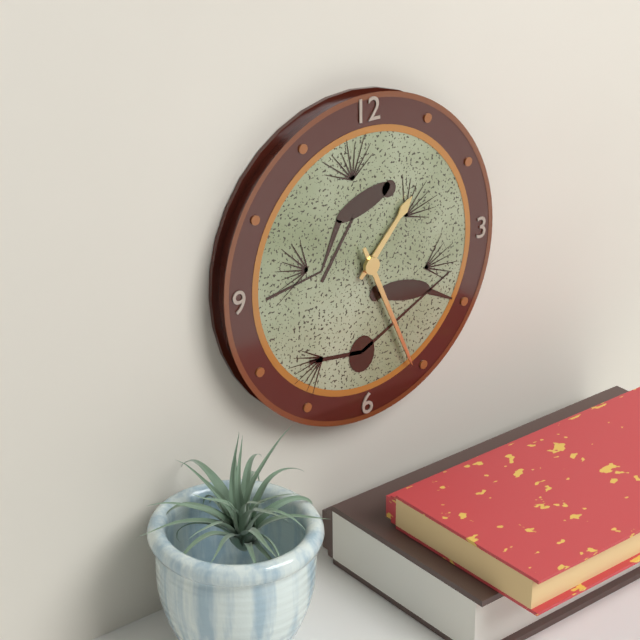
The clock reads **1:26**
